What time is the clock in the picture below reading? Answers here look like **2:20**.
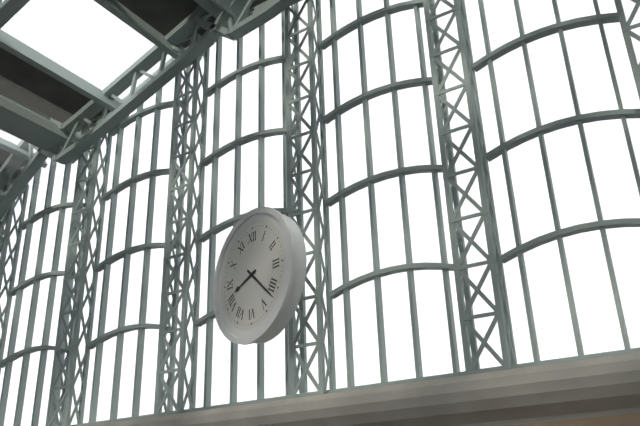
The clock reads **8:22**
